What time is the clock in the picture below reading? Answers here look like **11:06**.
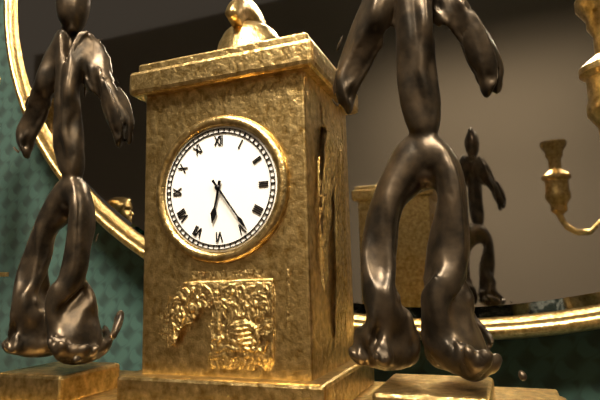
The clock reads **6:24**
